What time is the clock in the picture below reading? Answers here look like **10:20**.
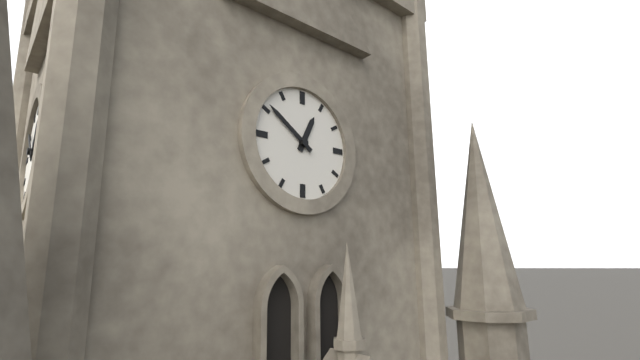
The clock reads **12:51**
